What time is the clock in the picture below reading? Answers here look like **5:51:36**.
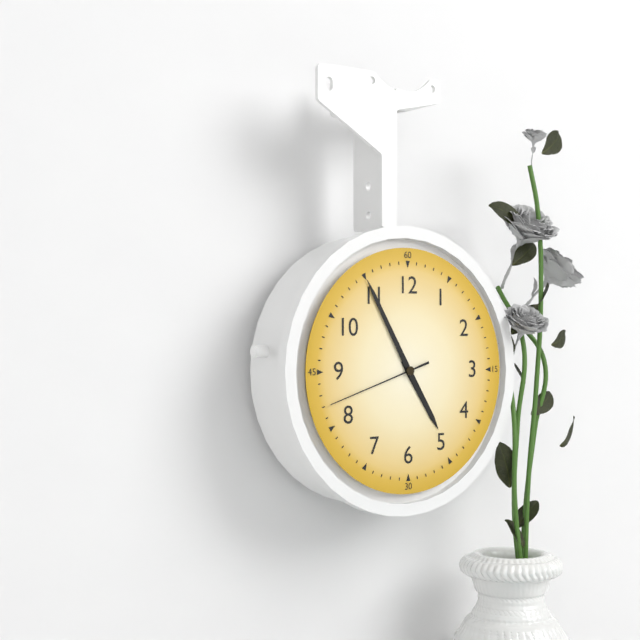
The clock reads **4:55:42**
